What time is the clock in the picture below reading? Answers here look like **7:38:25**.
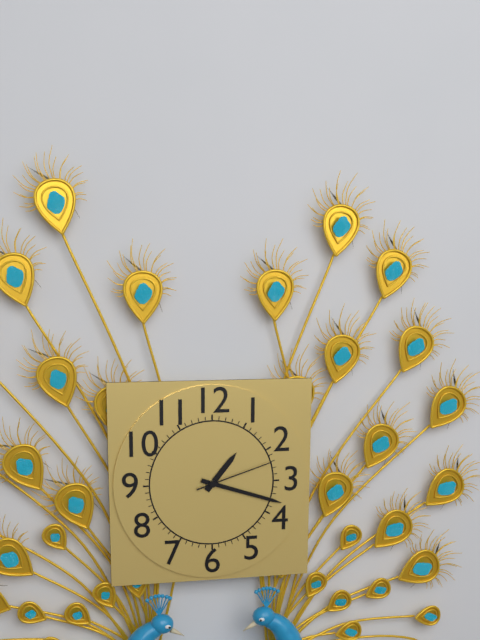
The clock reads **1:18:12**
